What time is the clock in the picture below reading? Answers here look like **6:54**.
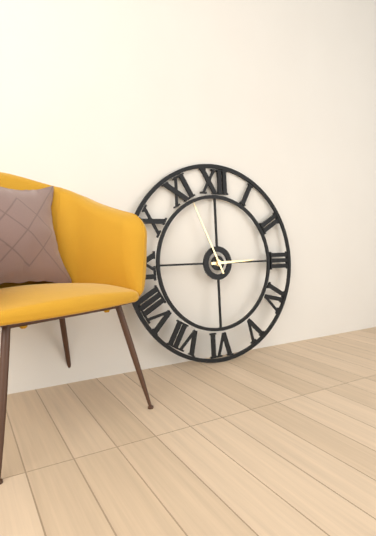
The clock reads **2:56**
